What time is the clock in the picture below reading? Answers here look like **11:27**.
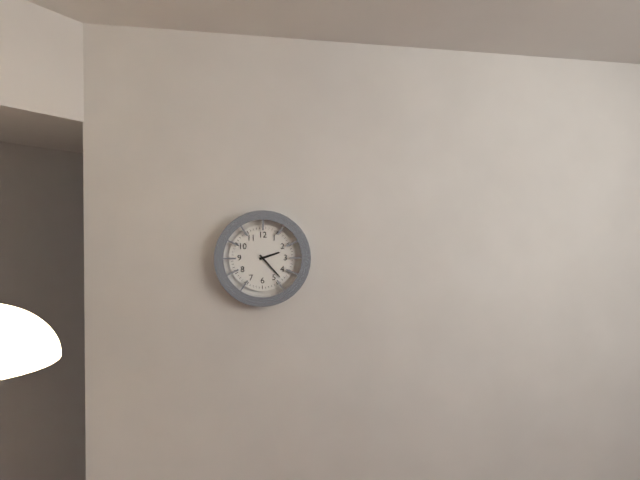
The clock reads **2:23**
